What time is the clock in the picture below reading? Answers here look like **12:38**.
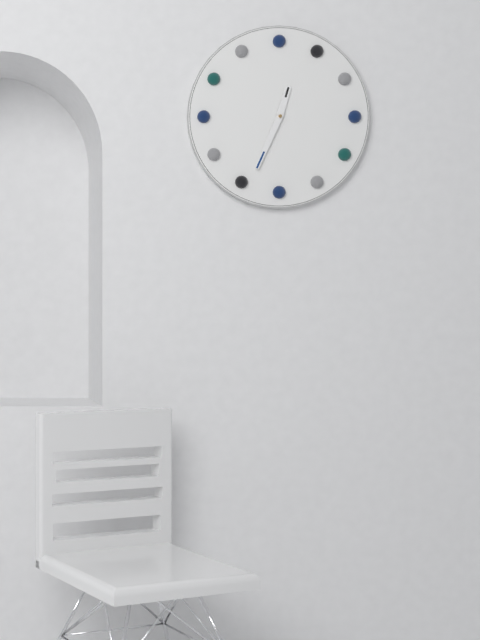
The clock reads **12:34**
